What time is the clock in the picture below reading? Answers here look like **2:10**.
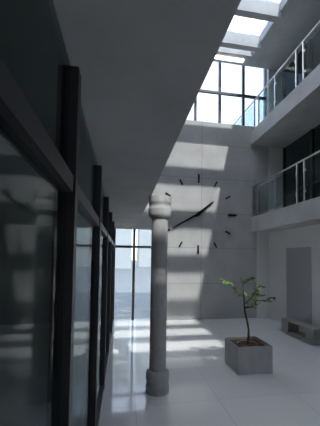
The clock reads **1:40**
